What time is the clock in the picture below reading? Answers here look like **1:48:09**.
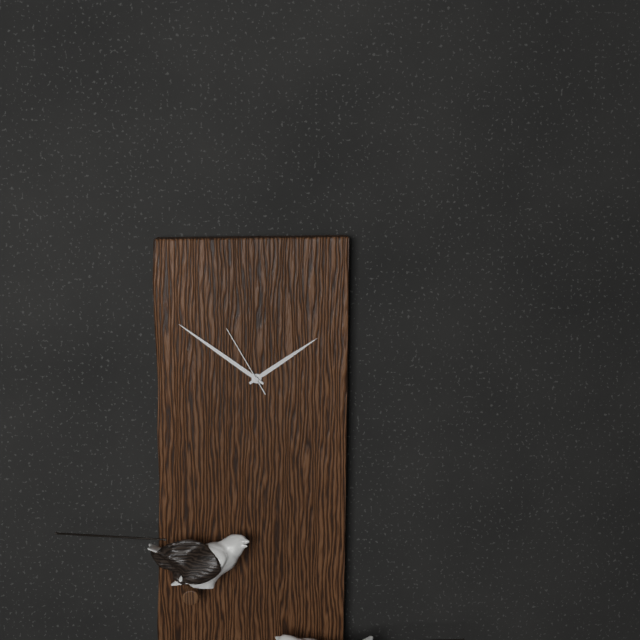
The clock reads **1:51:55**
